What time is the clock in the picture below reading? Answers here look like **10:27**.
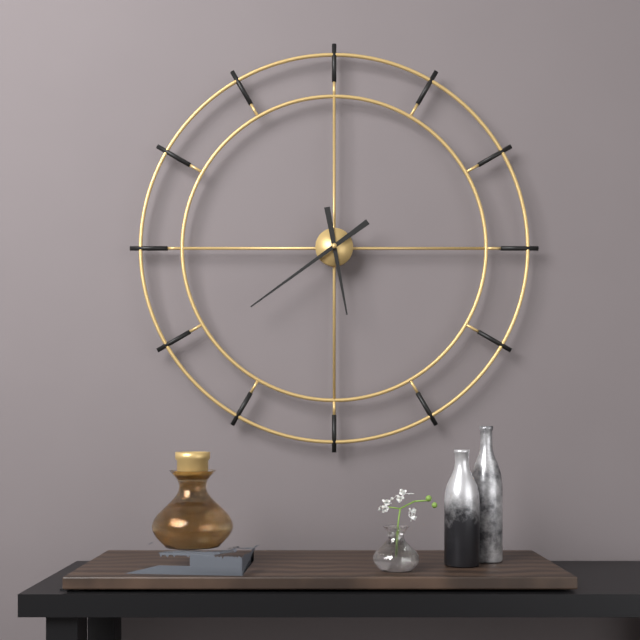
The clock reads **5:39**
